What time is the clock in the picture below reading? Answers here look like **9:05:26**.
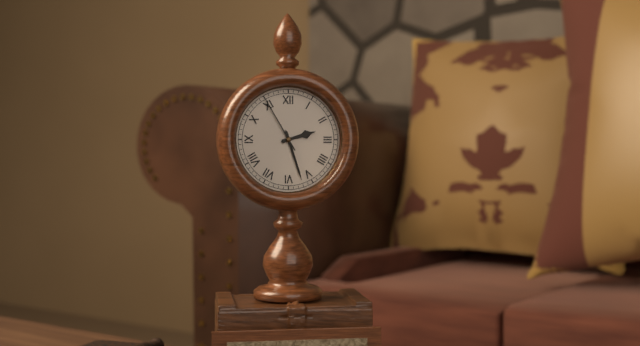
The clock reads **2:27:55**
